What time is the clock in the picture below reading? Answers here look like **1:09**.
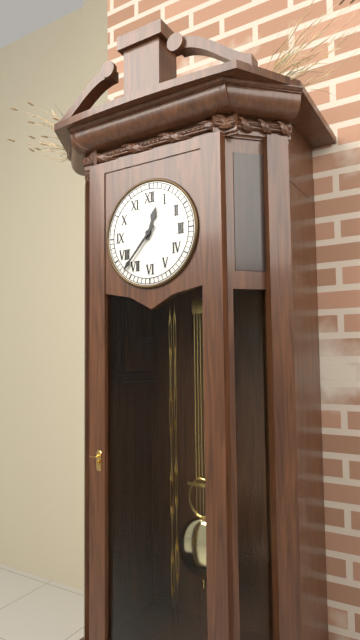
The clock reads **12:37**
